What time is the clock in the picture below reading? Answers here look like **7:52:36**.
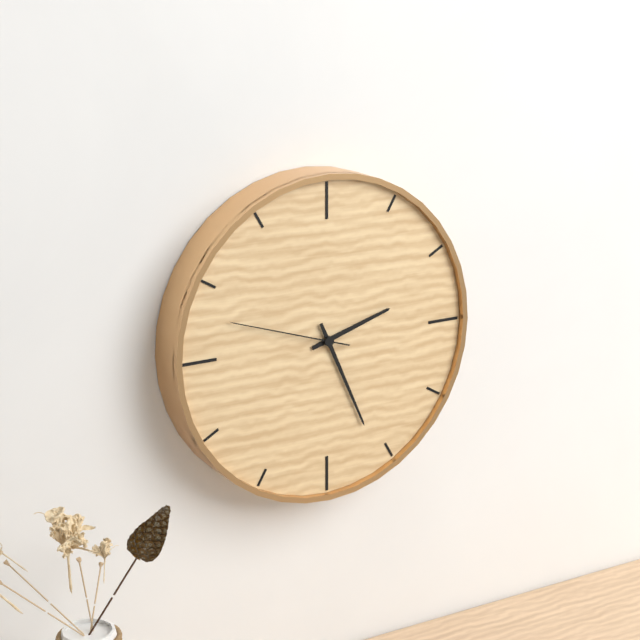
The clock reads **2:26:48**
